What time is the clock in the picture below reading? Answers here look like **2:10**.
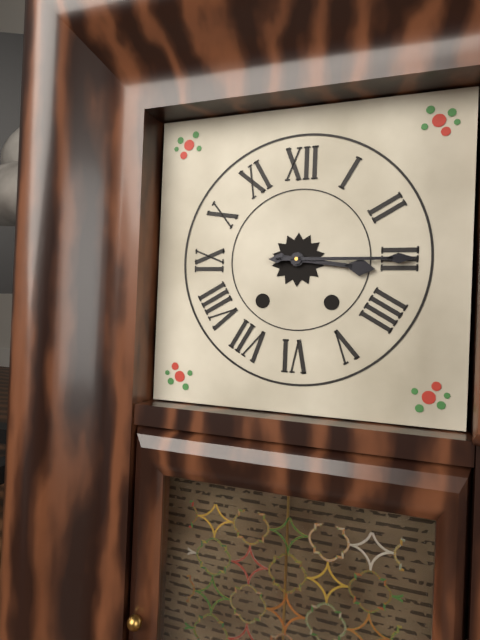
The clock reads **3:15**
